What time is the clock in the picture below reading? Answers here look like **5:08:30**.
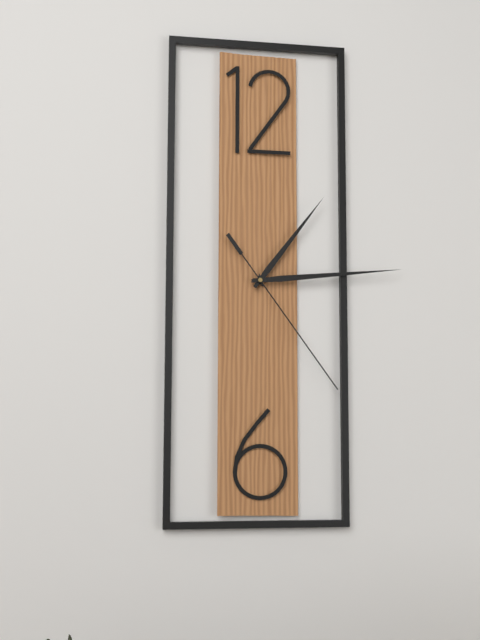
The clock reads **1:14:24**
